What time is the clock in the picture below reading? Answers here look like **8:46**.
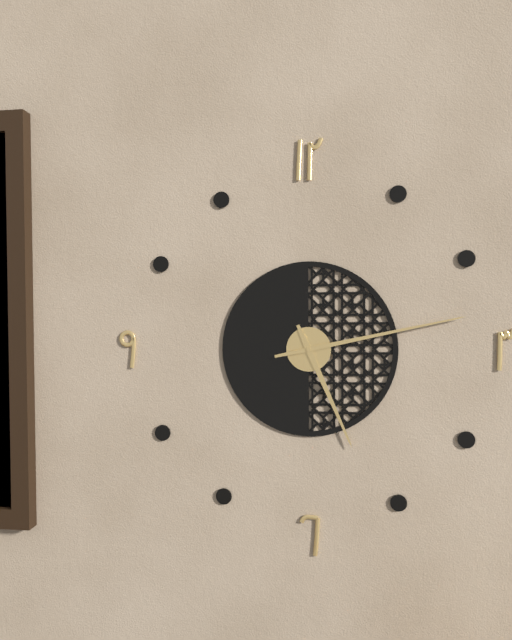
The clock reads **5:13**
